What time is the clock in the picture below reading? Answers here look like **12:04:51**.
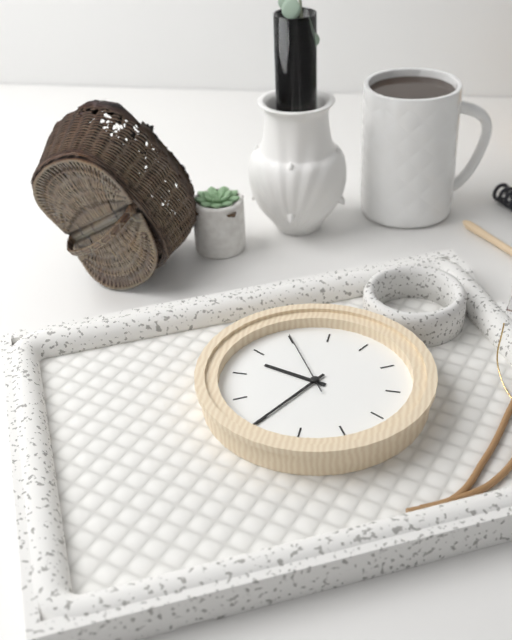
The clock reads **9:35:55**
